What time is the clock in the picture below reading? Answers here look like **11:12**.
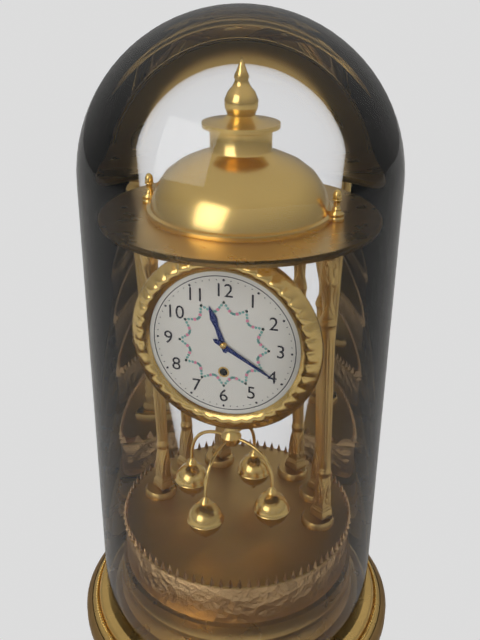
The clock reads **11:20**
